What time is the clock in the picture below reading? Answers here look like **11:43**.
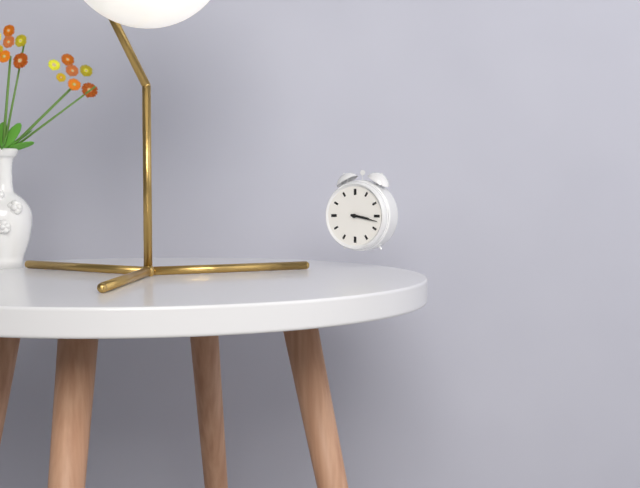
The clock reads **3:17**
